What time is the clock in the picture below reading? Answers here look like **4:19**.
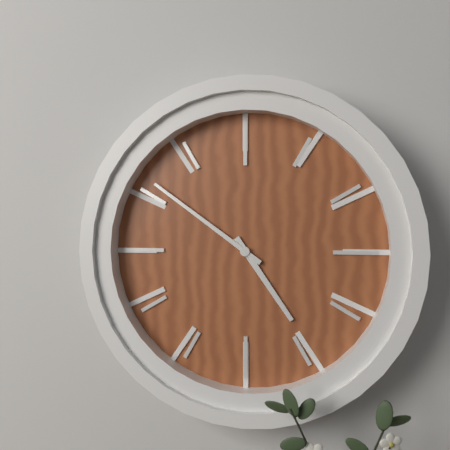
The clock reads **4:51**
